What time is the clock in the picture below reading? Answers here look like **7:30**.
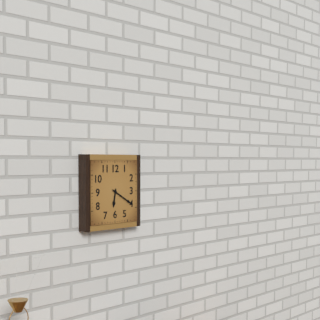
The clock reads **6:20**
